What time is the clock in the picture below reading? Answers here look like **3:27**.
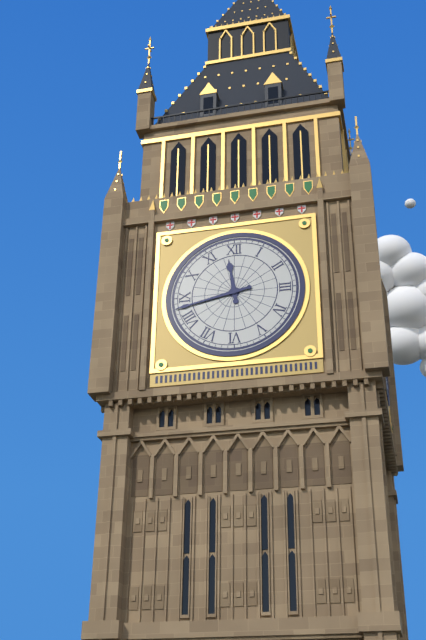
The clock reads **11:43**
